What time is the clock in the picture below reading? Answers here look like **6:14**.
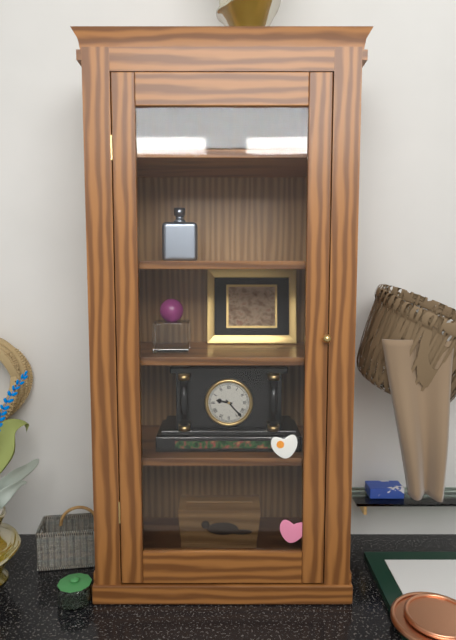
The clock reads **9:23**
